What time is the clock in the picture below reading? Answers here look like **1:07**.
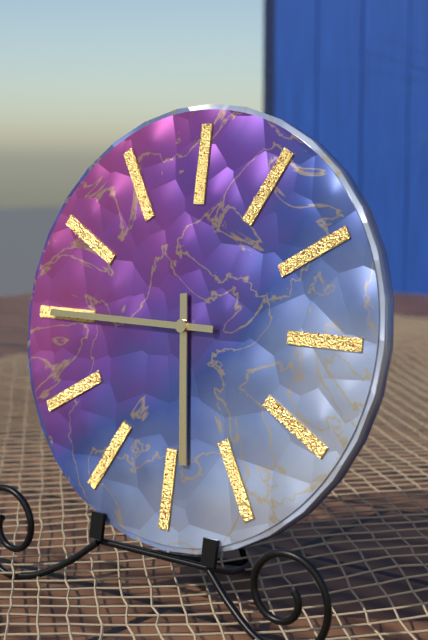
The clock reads **5:45**
